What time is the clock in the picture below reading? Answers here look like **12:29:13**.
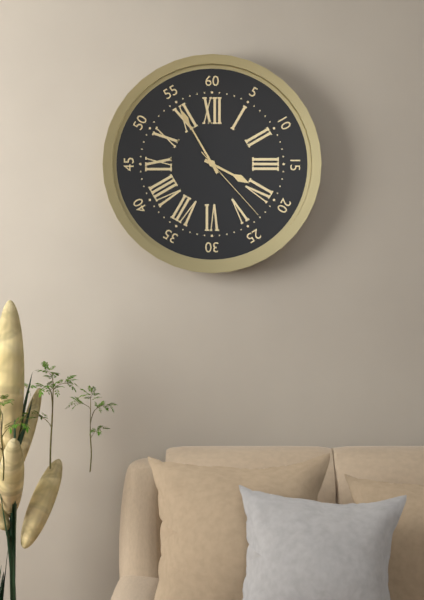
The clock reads **3:55:23**
